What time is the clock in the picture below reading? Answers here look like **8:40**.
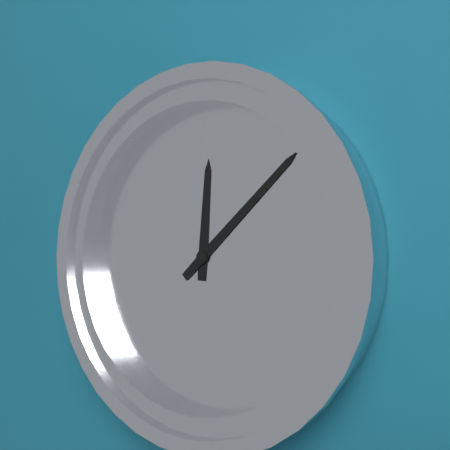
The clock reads **12:08**
